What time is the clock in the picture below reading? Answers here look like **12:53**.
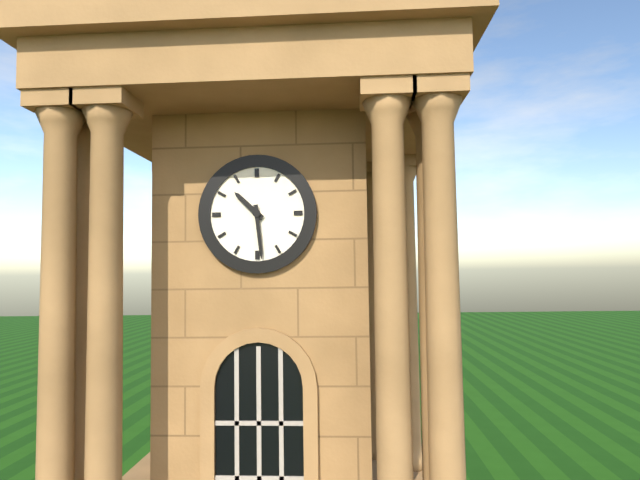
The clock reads **10:29**
